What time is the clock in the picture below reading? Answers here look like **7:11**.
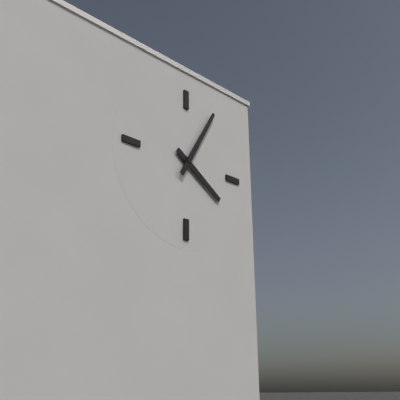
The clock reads **4:05**
